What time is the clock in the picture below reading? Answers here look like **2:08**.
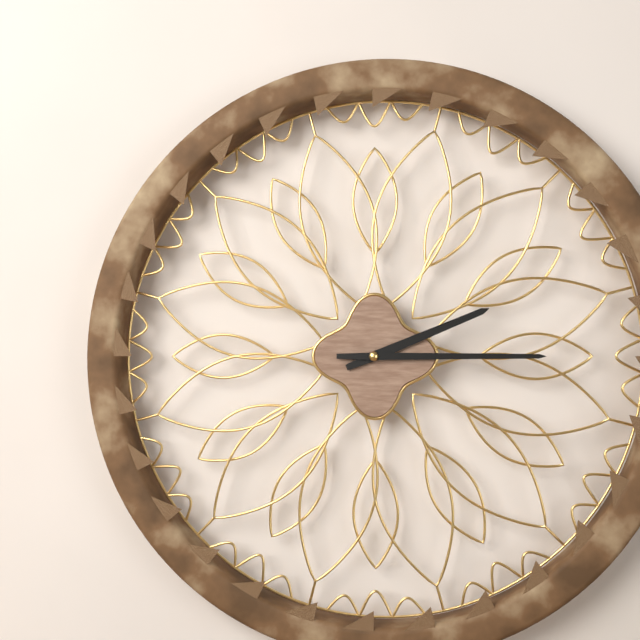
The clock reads **2:15**
